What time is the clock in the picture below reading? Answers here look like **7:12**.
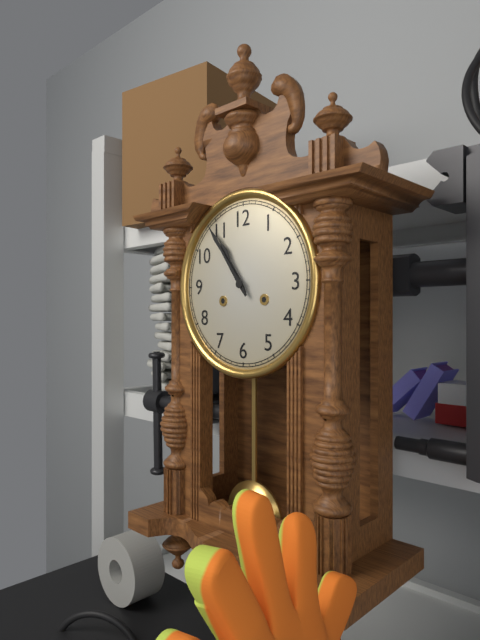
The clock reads **10:54**
